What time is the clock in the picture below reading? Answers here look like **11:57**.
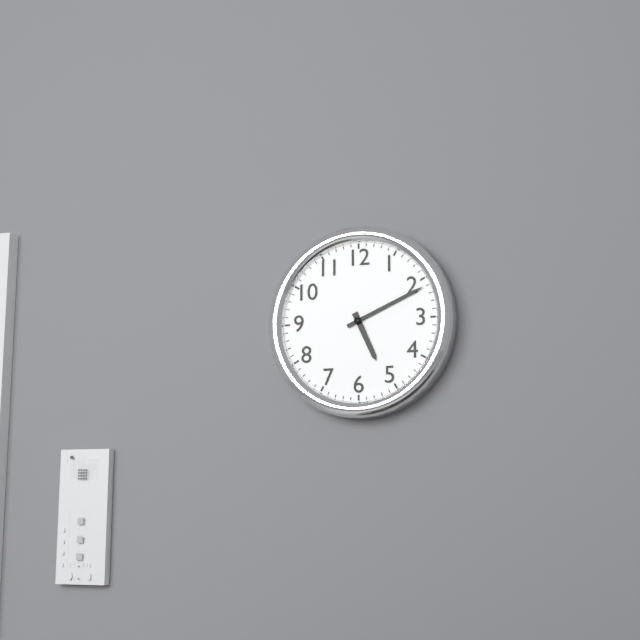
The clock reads **5:11**
